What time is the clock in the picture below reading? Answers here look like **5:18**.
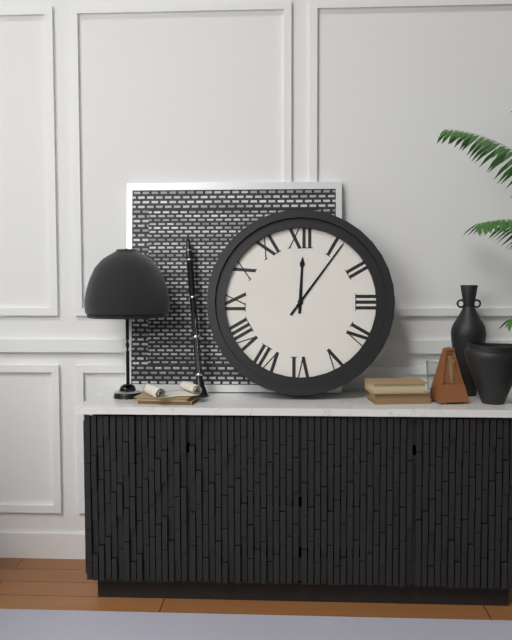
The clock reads **12:06**
